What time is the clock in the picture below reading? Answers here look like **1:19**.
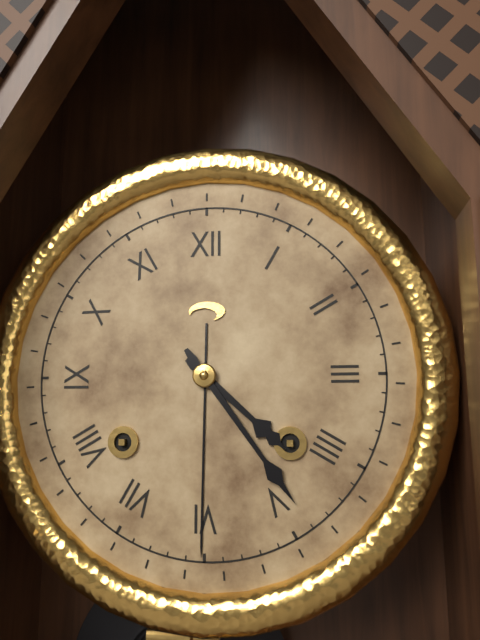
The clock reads **4:24**
